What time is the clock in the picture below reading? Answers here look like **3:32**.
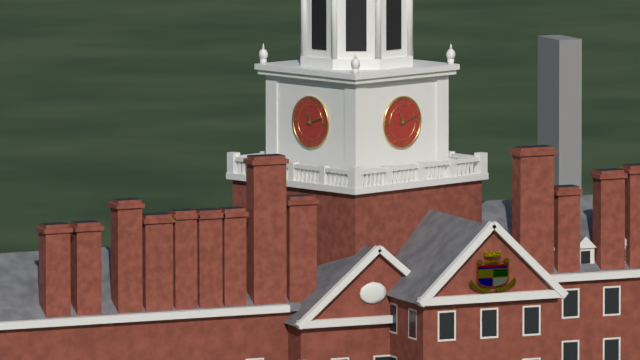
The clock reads **11:12**
